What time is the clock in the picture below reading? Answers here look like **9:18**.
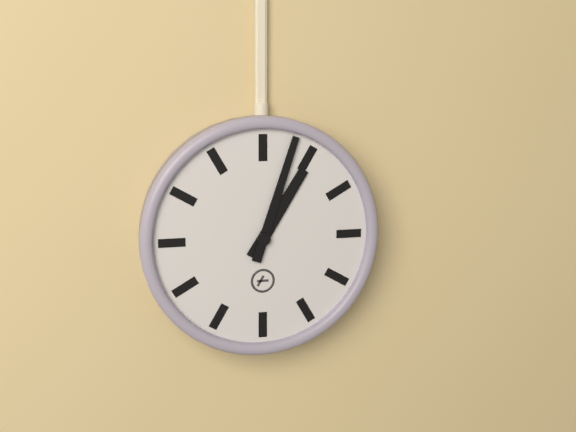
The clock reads **1:03**
